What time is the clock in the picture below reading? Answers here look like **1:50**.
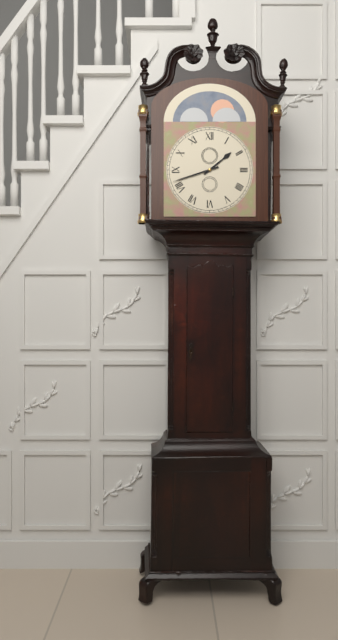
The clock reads **1:42**
